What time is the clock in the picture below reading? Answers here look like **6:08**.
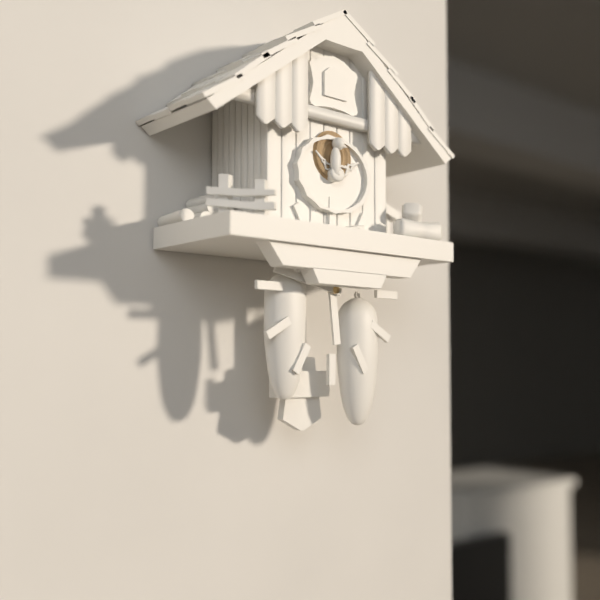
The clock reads **5:47**
